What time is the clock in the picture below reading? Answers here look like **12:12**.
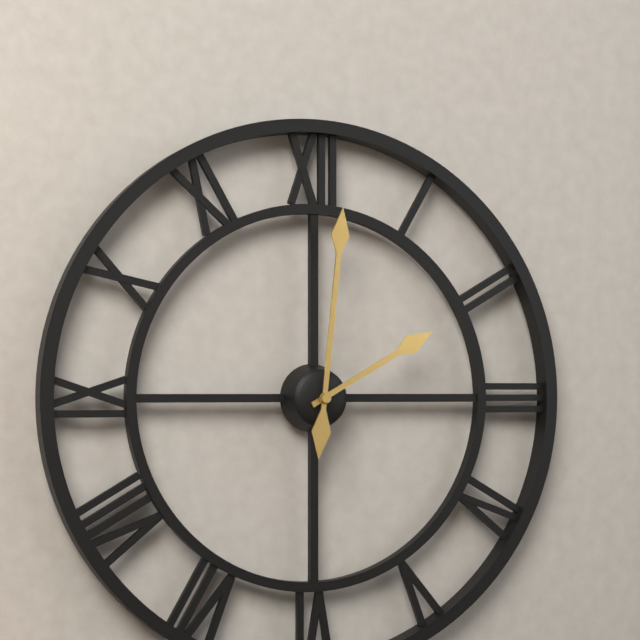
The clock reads **2:01**
